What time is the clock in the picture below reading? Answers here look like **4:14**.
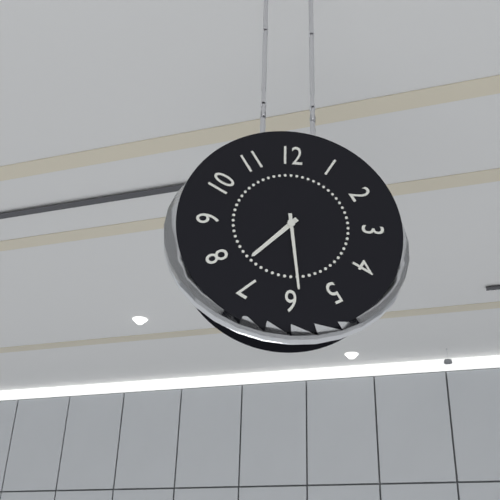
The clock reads **7:29**
